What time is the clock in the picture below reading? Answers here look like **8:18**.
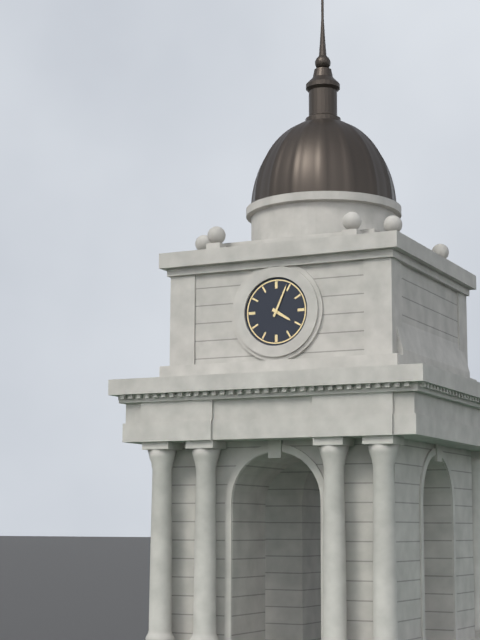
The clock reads **4:04**
